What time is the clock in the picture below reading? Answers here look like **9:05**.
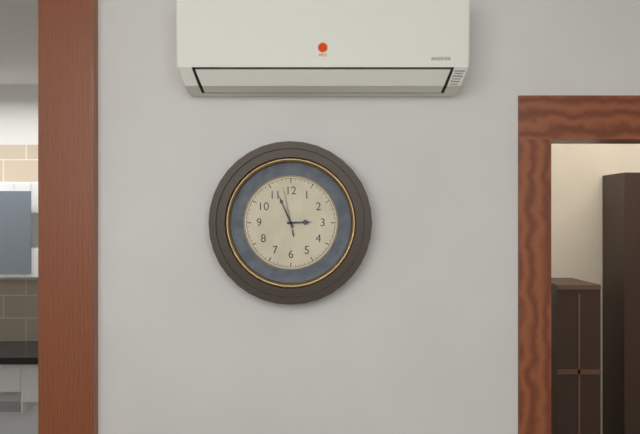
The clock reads **2:56**
